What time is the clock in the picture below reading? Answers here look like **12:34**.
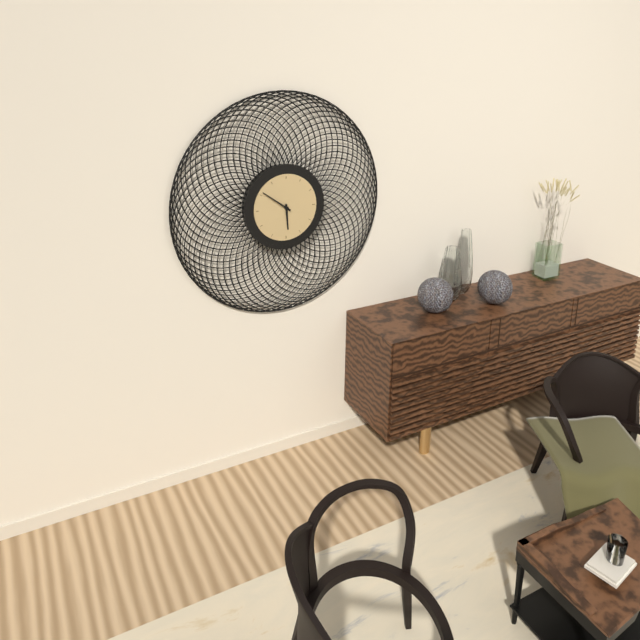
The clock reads **5:51**
